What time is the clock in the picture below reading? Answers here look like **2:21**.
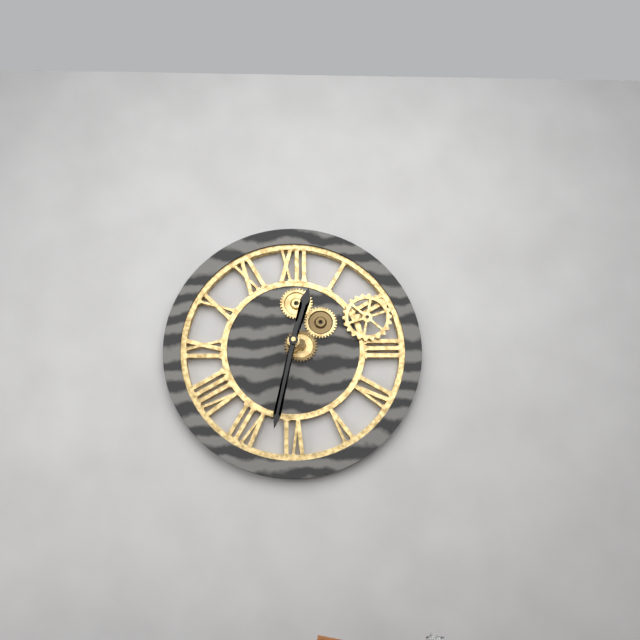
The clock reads **12:32**
